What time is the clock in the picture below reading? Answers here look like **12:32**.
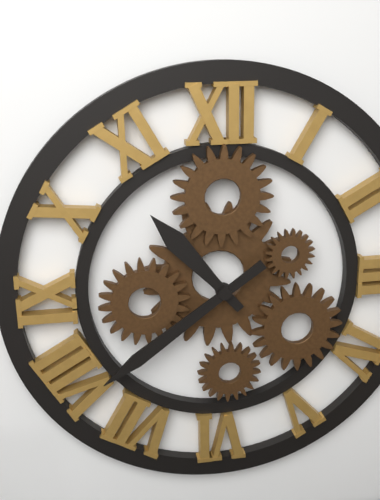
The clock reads **10:39**
